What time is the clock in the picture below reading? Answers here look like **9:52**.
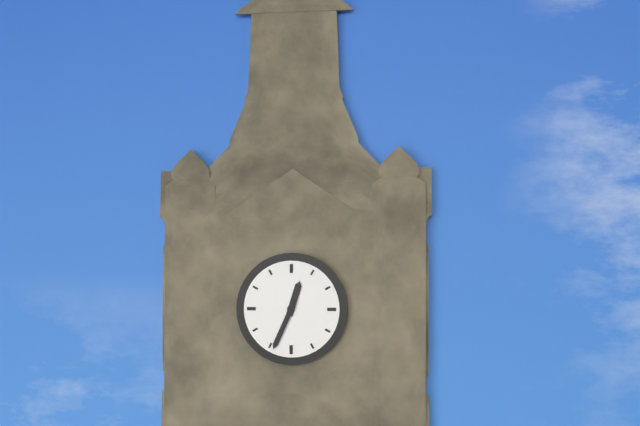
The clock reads **12:34**
